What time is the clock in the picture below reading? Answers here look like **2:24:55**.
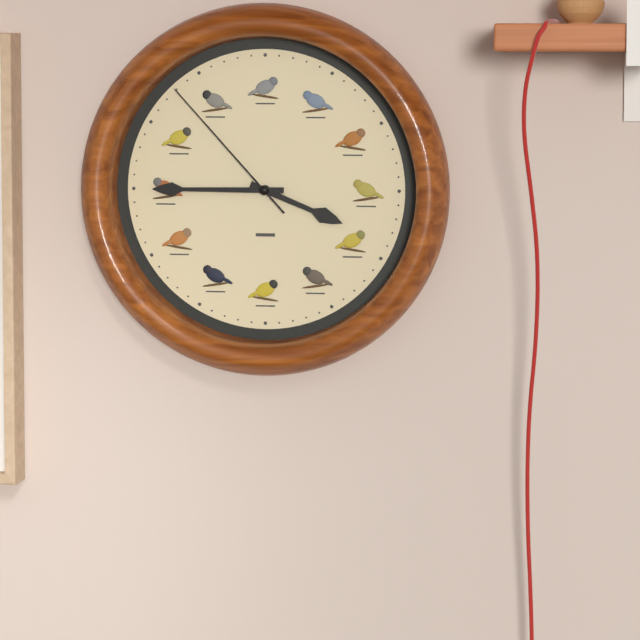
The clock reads **3:45:53**
